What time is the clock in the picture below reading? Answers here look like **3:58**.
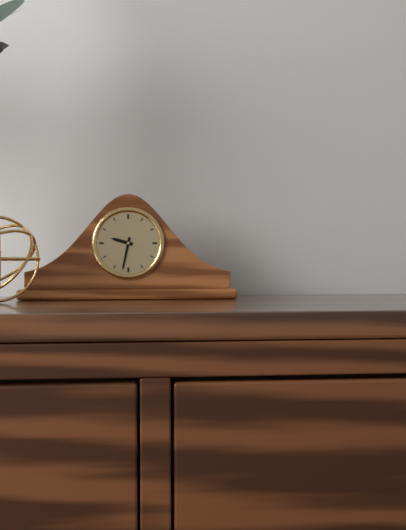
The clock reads **9:32**
